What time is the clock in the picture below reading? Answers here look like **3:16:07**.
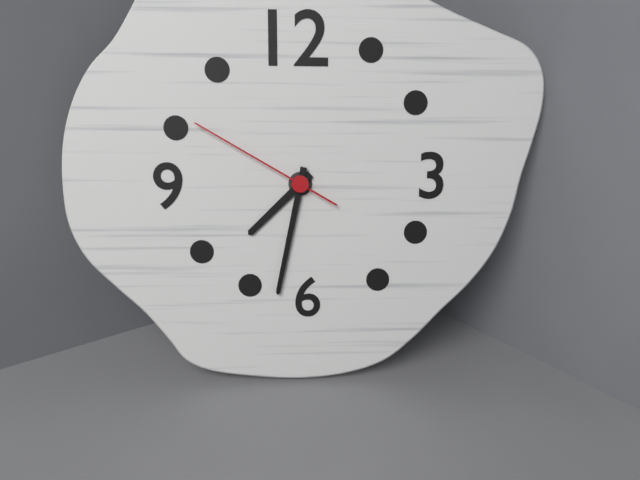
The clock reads **7:32:50**
